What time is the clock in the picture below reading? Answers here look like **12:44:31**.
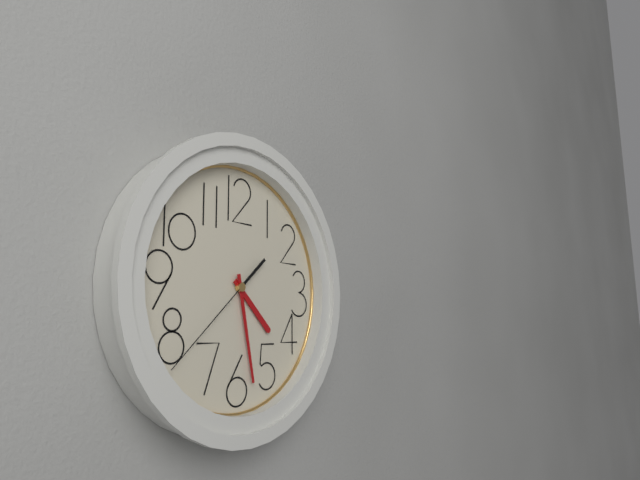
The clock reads **4:28:38**
